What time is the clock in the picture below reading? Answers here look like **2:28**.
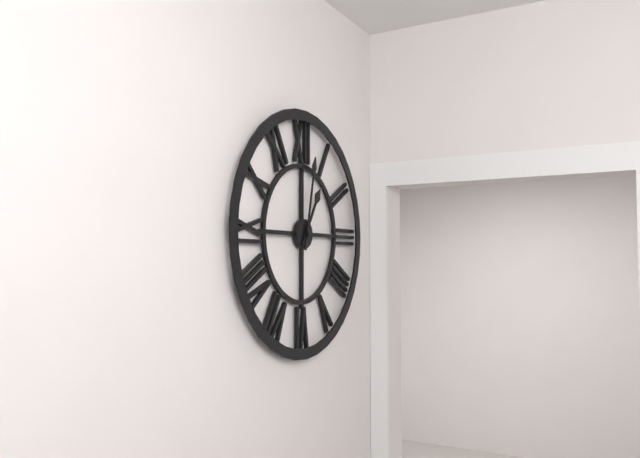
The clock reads **1:02**
